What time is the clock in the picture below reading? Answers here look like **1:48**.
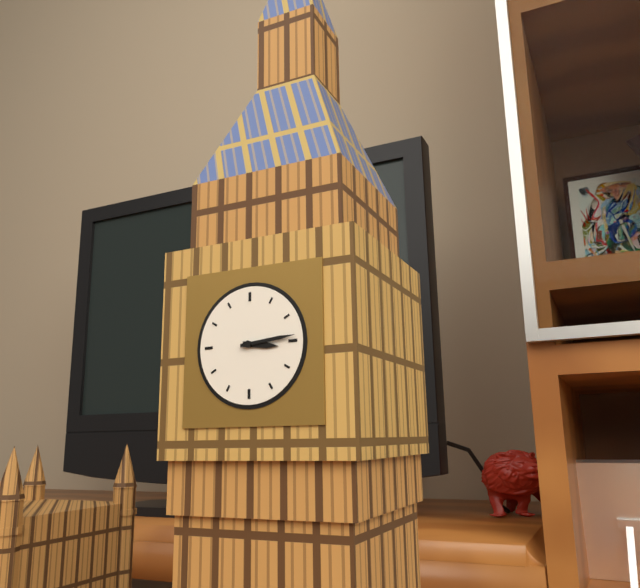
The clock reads **3:14**
